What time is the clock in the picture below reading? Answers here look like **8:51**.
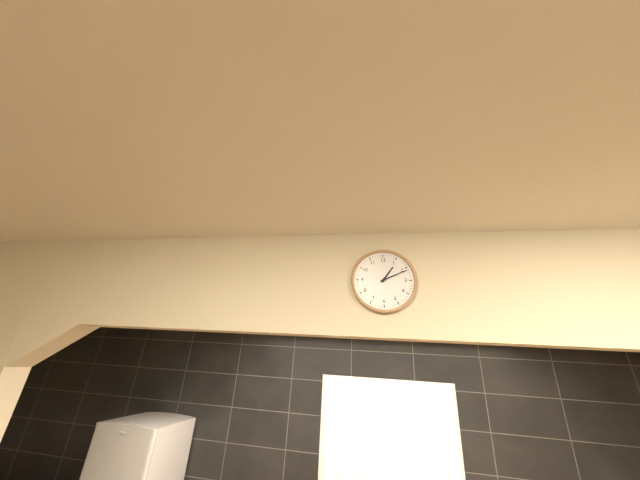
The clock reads **1:11**
